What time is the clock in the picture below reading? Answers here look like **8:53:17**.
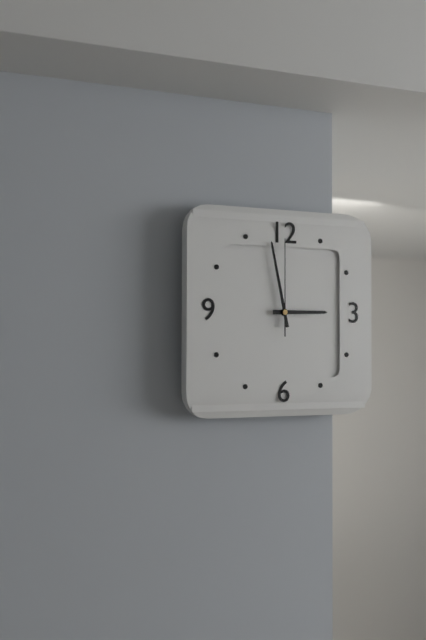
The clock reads **2:58:00**
